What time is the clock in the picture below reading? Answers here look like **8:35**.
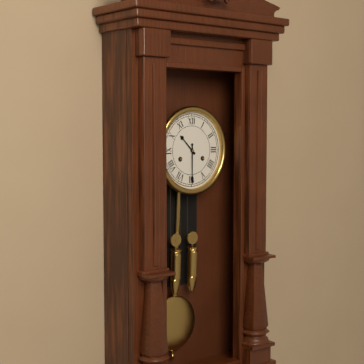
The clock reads **10:30**
